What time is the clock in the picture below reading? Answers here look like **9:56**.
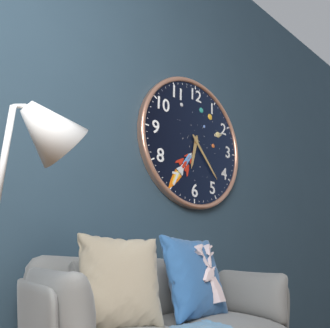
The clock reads **6:23**
